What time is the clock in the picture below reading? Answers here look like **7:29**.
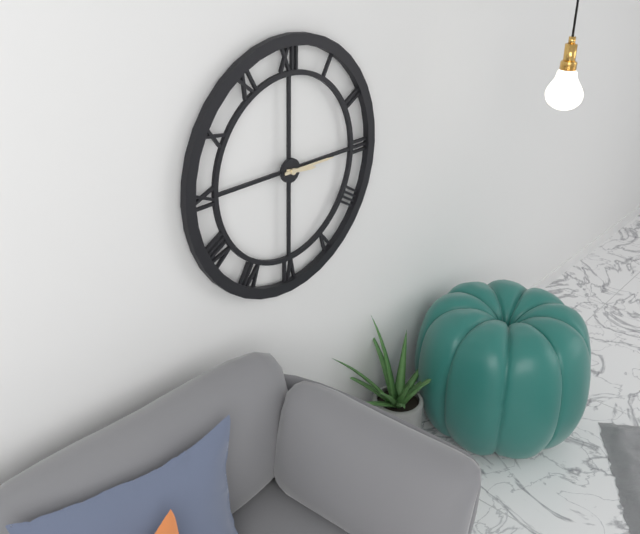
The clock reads **3:15**
